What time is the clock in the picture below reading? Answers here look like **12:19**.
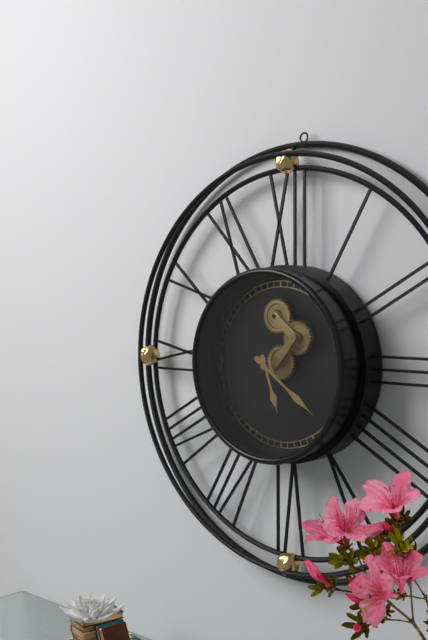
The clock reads **5:21**
